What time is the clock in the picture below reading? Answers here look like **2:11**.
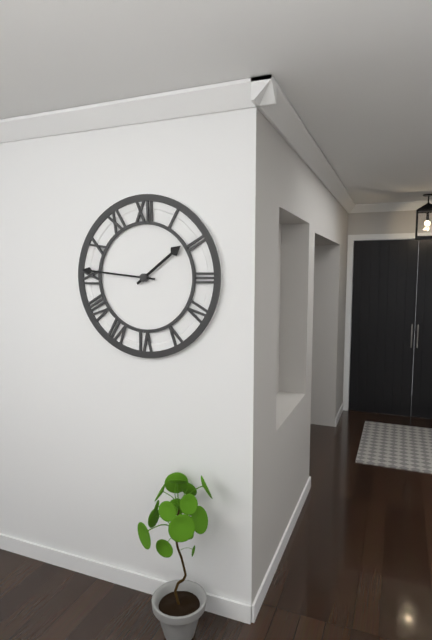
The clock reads **1:46**
